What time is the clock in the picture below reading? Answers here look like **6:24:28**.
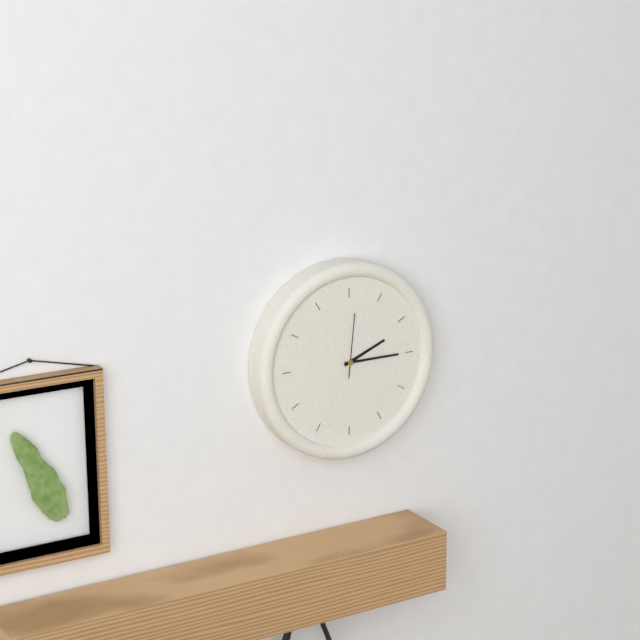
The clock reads **2:15:01**
